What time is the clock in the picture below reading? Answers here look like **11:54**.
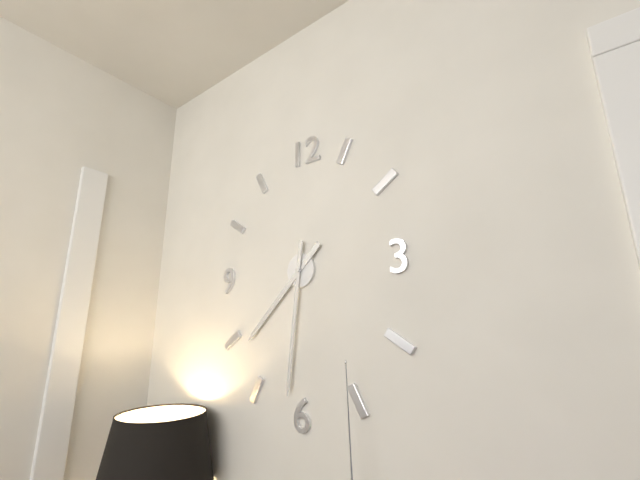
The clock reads **7:31**
